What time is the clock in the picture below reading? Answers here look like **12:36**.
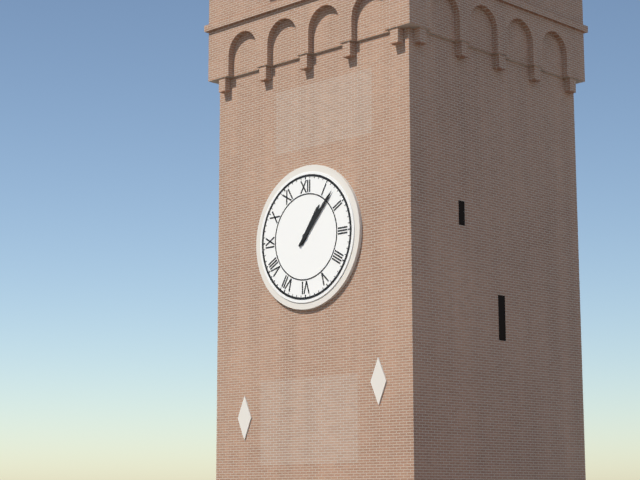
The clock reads **1:07**
